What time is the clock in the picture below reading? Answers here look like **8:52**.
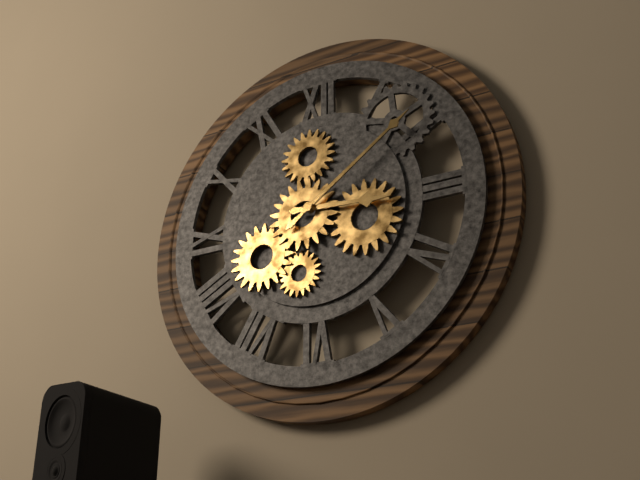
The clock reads **3:09**
